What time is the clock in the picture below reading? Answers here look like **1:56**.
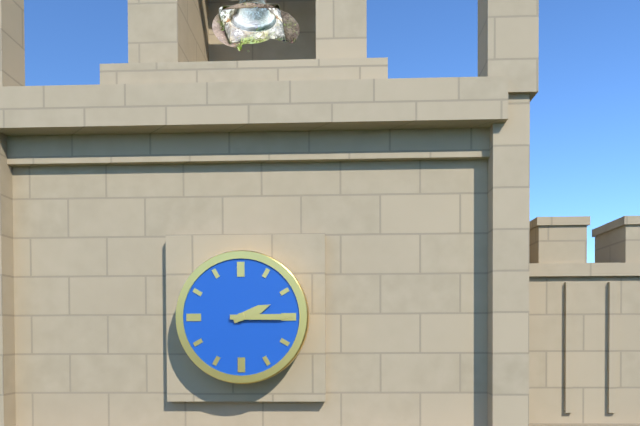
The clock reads **2:15**
